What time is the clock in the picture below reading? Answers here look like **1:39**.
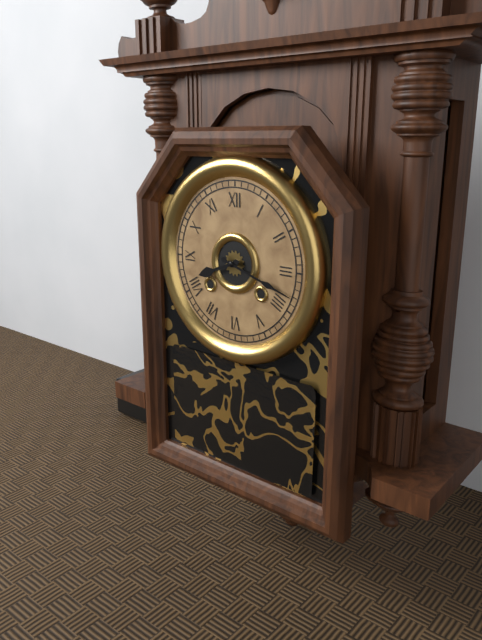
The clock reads **8:18**
